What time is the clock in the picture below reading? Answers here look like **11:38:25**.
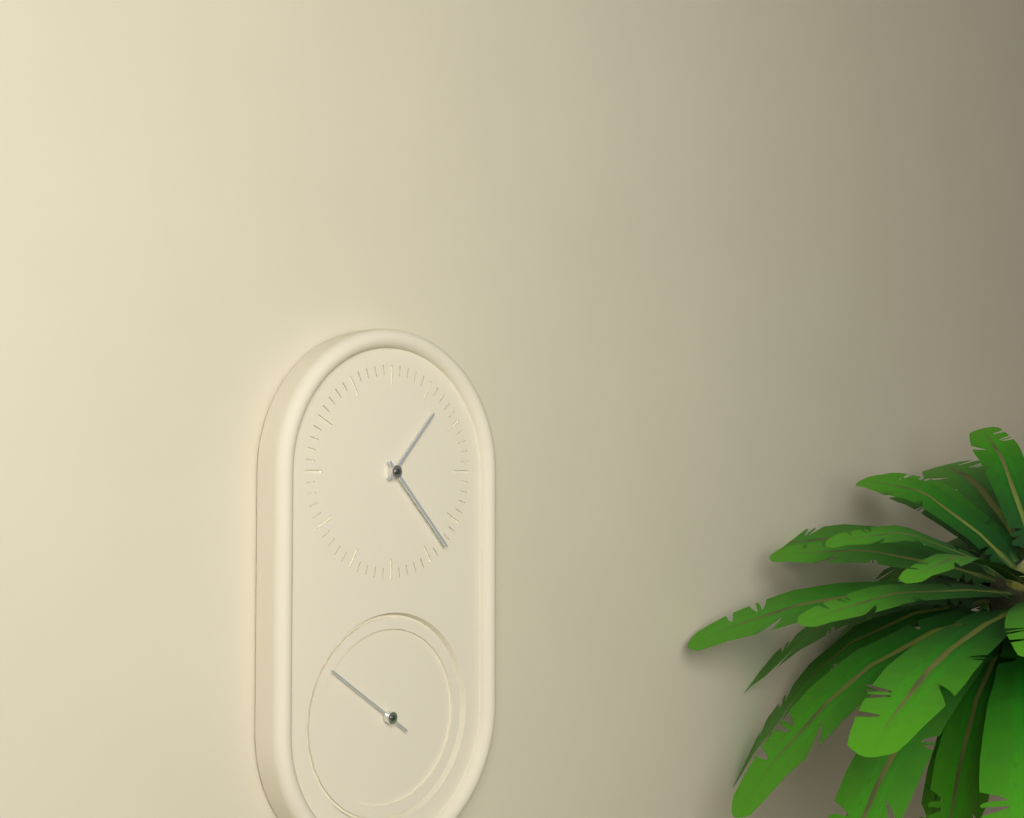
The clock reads **1:23:51**
